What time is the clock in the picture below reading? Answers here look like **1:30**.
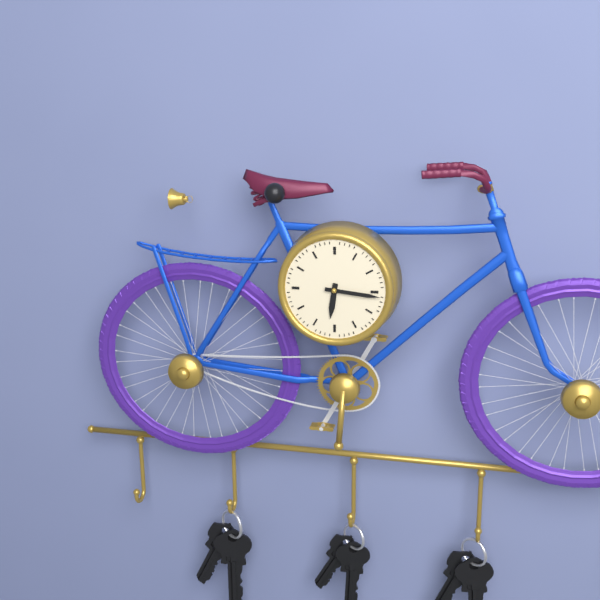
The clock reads **6:16**
